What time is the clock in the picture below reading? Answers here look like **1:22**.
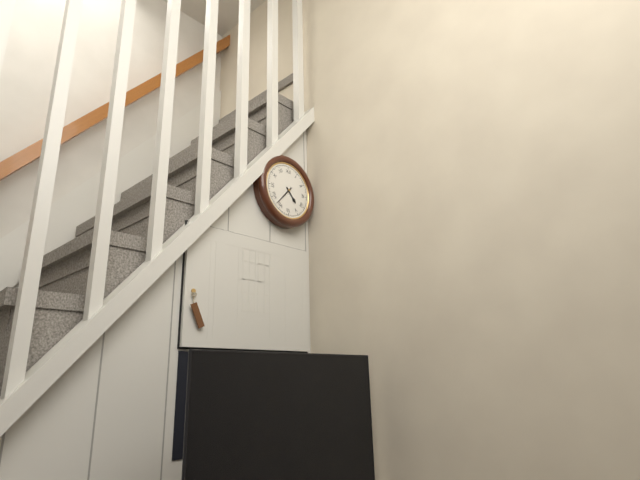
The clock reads **4:37**
